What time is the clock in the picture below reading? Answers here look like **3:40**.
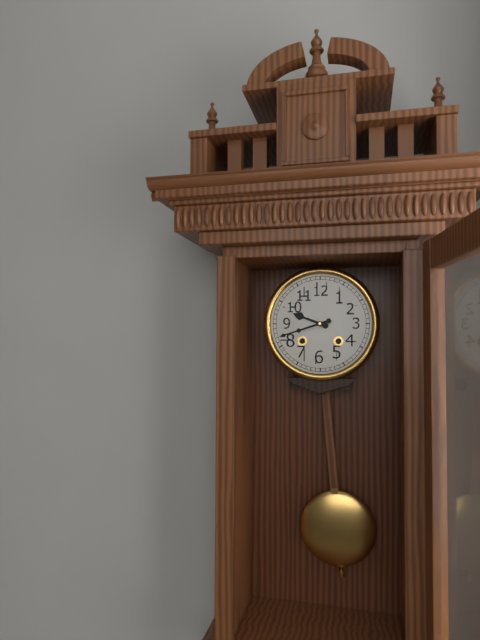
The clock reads **9:42**
